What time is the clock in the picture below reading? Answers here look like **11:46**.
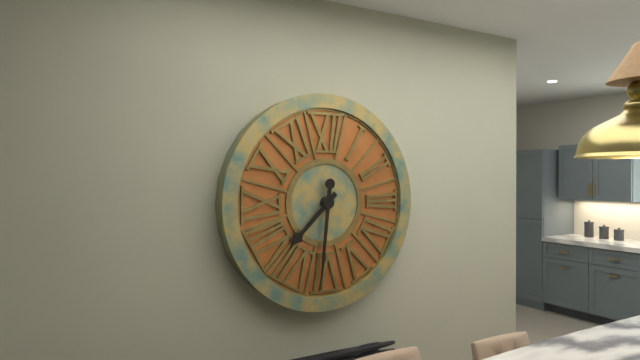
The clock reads **7:31**
